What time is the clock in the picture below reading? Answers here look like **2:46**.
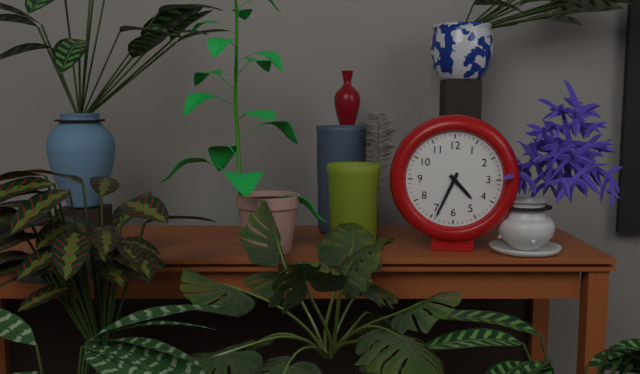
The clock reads **4:34**
